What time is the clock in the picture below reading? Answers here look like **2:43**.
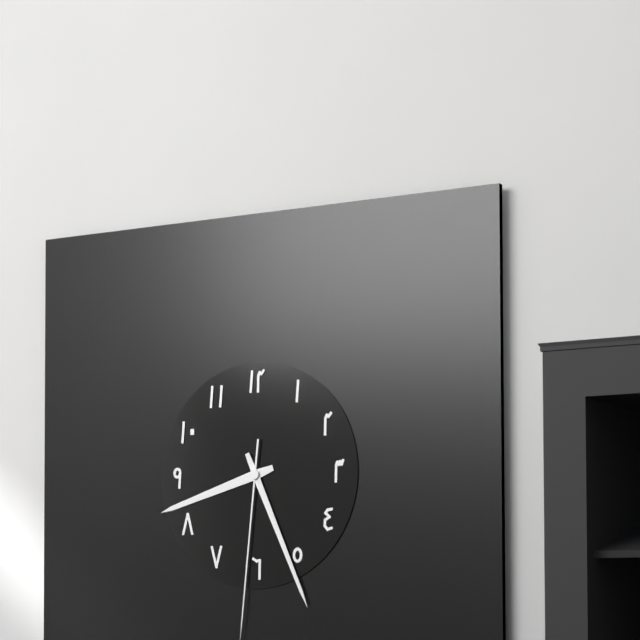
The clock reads **8:26**
